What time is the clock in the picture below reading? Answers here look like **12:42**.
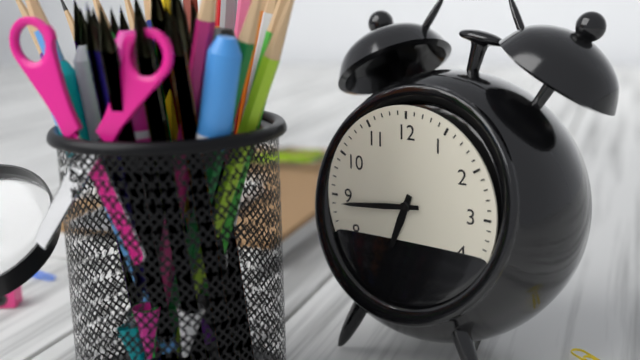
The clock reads **6:44**
